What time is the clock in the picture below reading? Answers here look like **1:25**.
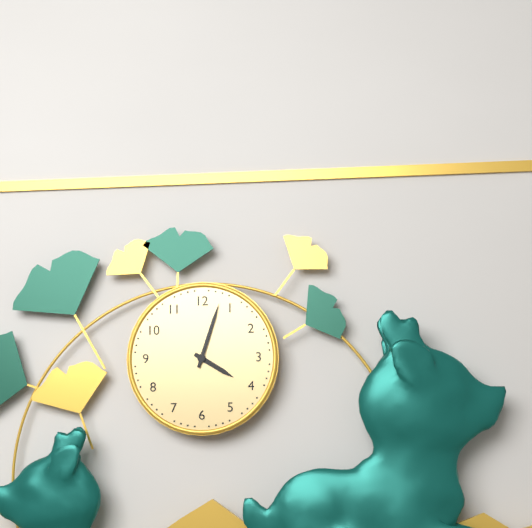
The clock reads **4:03**
